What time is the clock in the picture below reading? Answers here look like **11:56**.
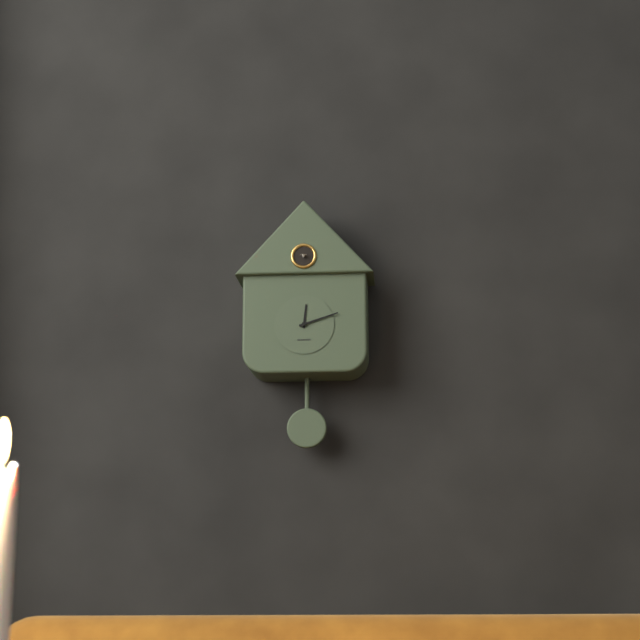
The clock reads **12:12**
